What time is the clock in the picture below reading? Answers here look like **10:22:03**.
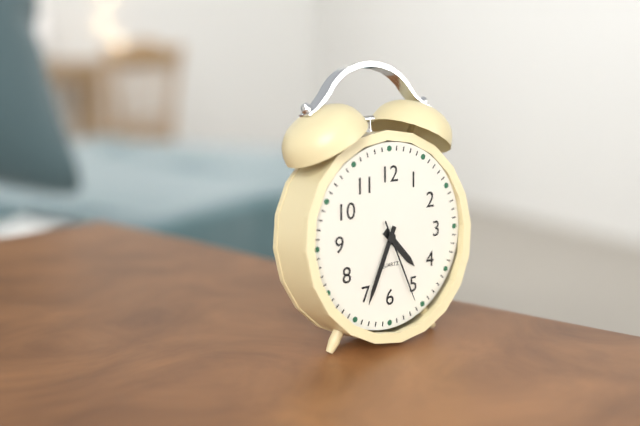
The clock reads **4:34:26**
